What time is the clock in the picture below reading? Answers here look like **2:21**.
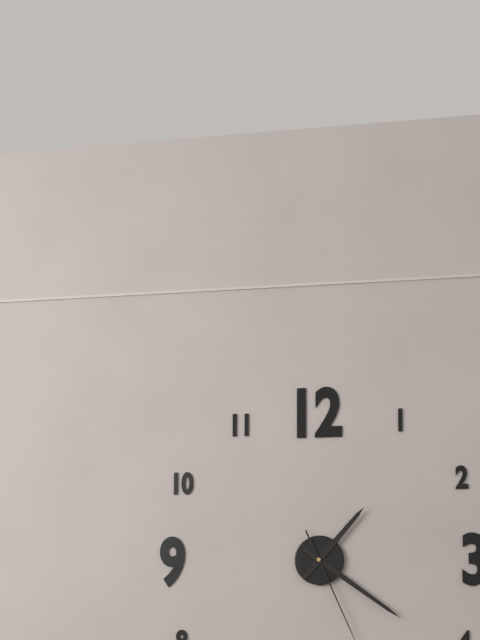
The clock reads **1:21**
